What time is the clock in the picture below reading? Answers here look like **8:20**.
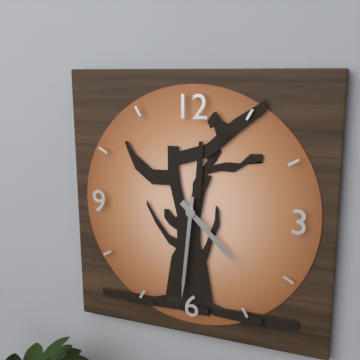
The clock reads **4:31**
